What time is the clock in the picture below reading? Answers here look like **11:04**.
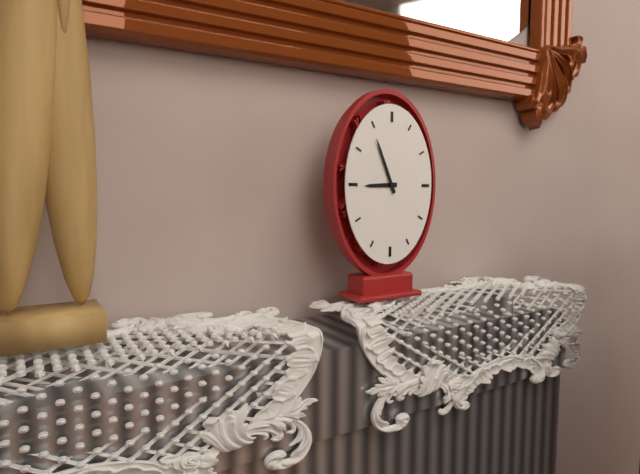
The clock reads **8:56**
